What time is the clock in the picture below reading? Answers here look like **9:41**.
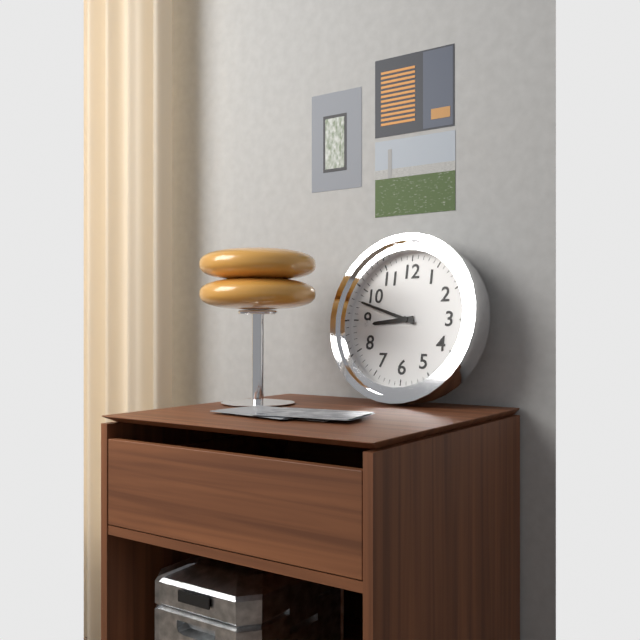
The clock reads **8:48**
